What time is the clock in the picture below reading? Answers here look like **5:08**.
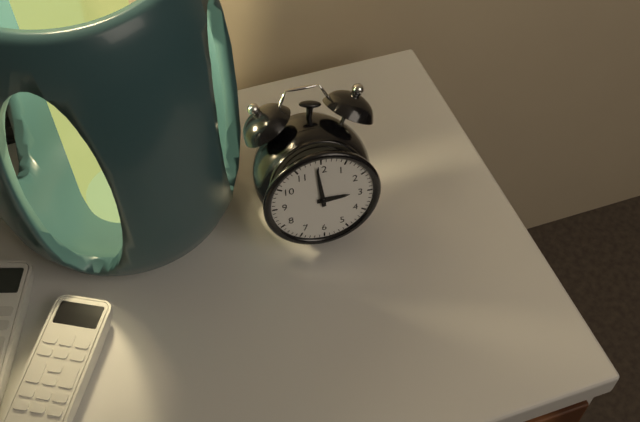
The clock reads **2:59**
